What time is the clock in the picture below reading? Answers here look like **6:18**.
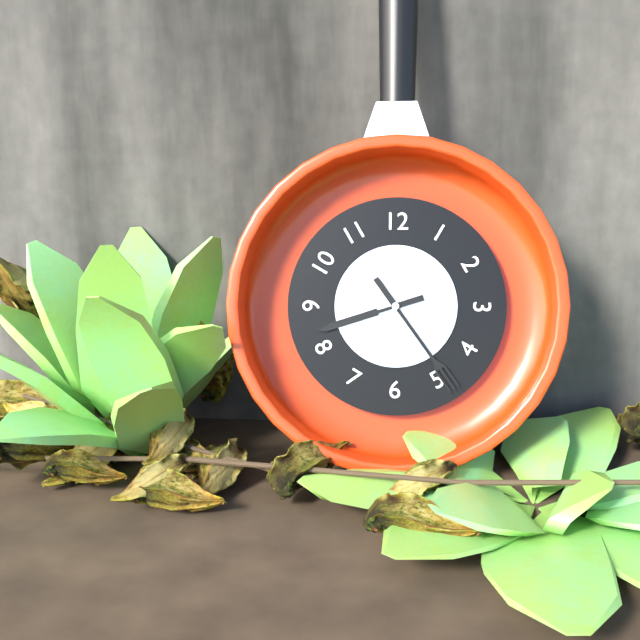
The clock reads **8:24**
